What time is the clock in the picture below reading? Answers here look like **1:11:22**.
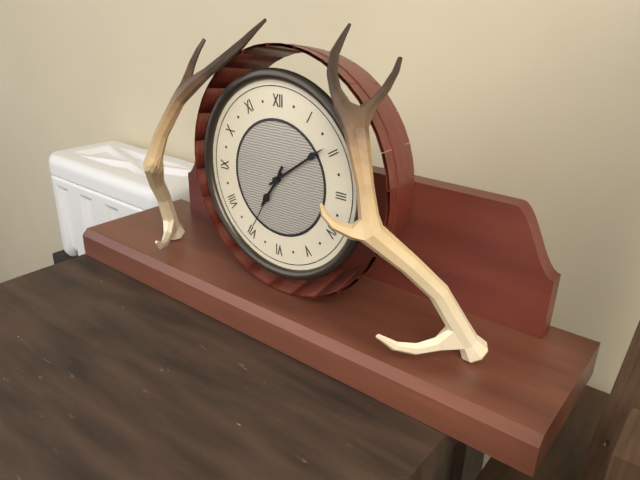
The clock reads **7:09:35**
